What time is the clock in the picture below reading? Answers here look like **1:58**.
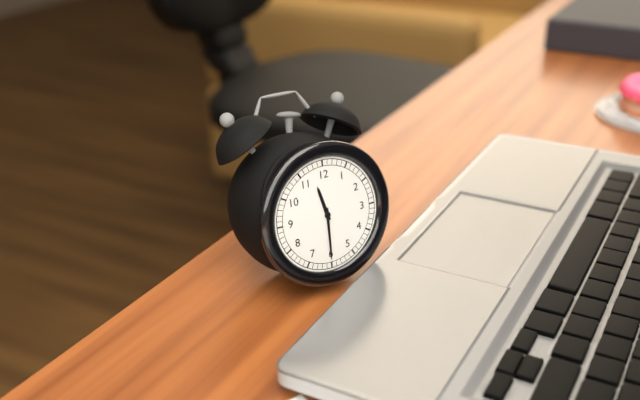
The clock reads **11:30**
